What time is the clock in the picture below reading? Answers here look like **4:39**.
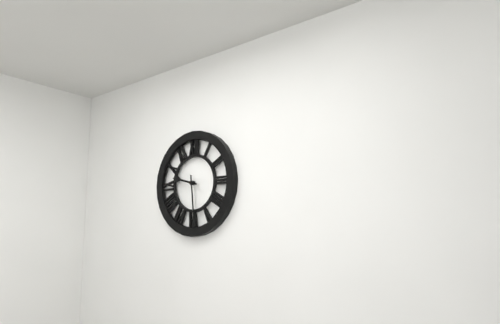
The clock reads **9:29**
